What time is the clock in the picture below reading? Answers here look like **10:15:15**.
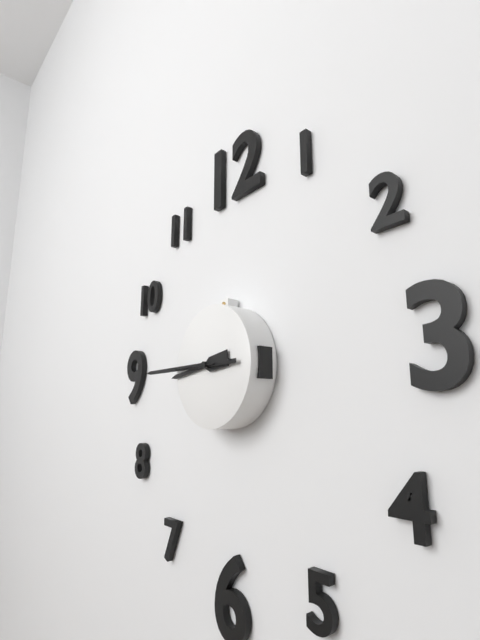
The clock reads **8:45:45**
